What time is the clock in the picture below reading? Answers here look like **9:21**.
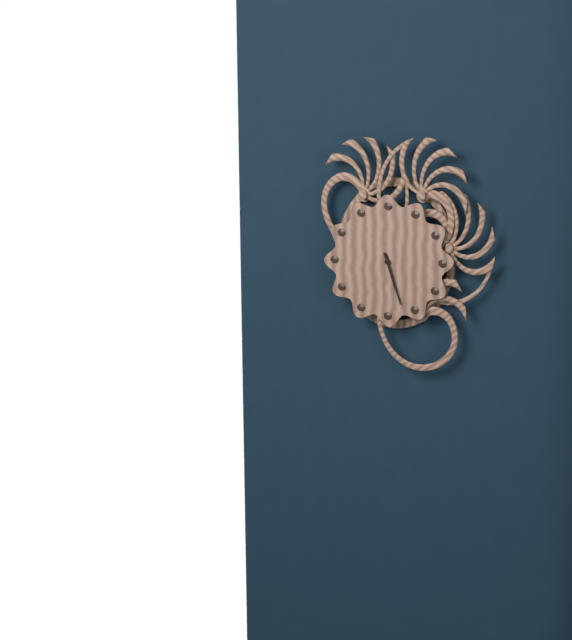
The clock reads **5:27**
